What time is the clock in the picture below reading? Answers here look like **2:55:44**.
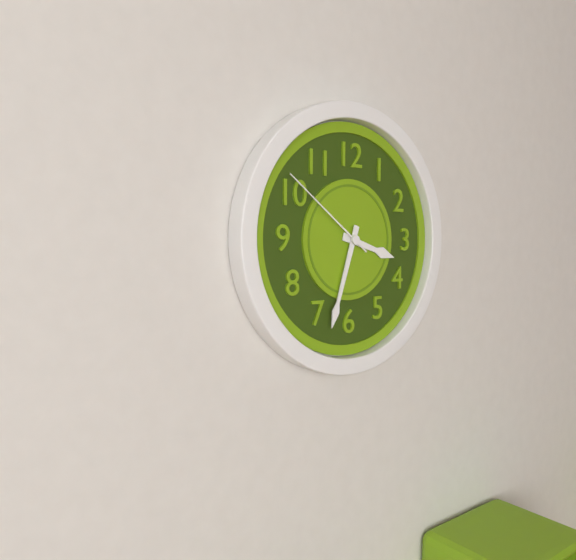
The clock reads **3:33:51**
